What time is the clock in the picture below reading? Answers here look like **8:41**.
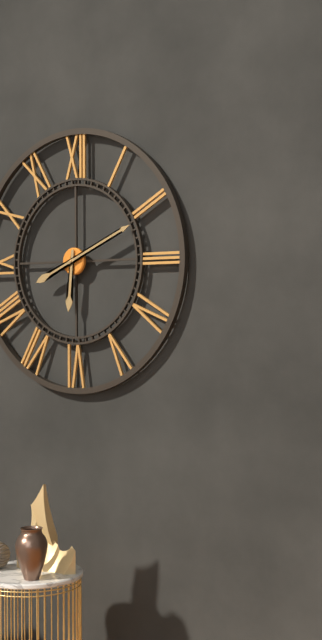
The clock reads **6:11**
